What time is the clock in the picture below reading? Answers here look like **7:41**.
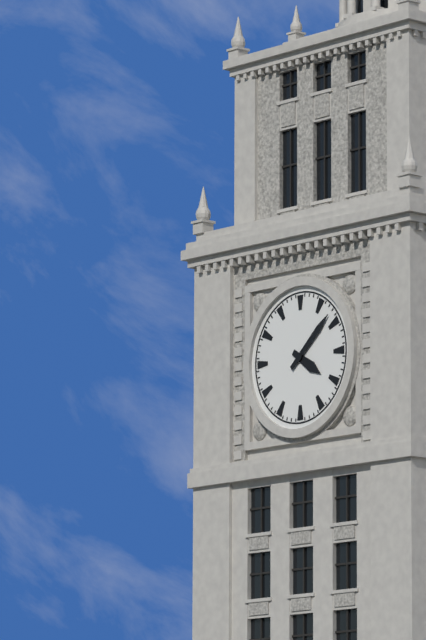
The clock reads **4:08**
